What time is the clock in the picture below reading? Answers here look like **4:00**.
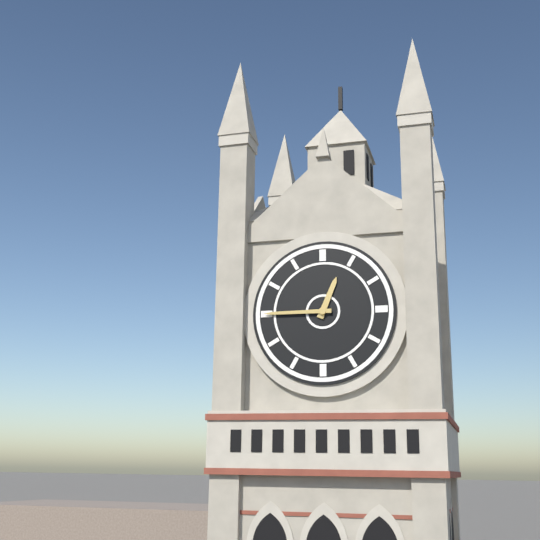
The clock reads **12:45**
